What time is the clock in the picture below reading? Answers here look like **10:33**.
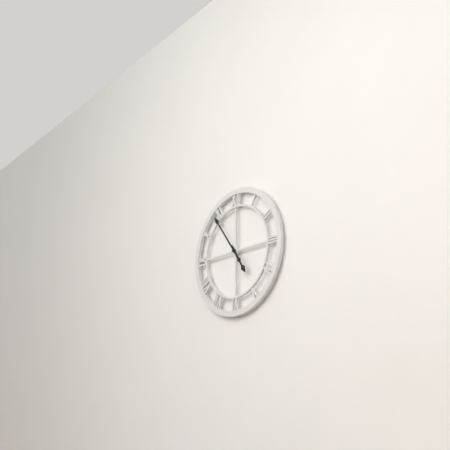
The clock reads **4:54**
